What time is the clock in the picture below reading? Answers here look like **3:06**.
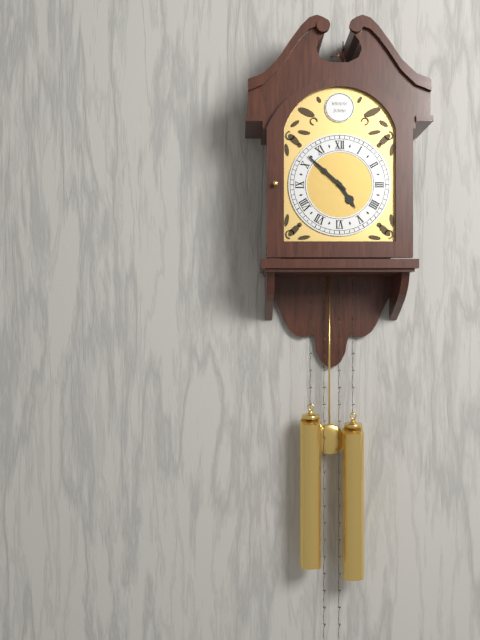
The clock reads **4:52**
